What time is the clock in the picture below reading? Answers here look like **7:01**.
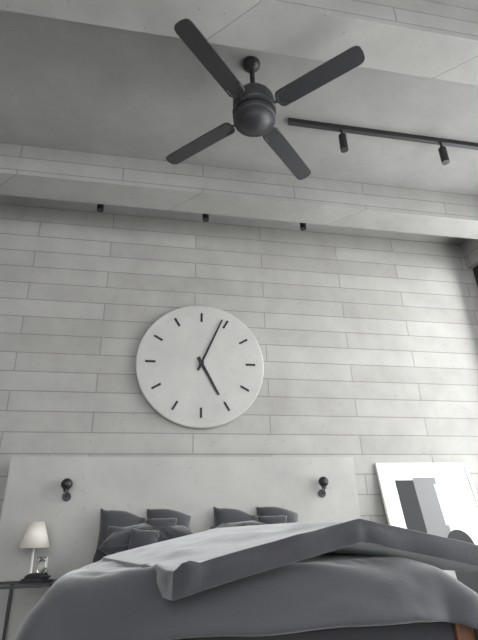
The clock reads **5:04**
